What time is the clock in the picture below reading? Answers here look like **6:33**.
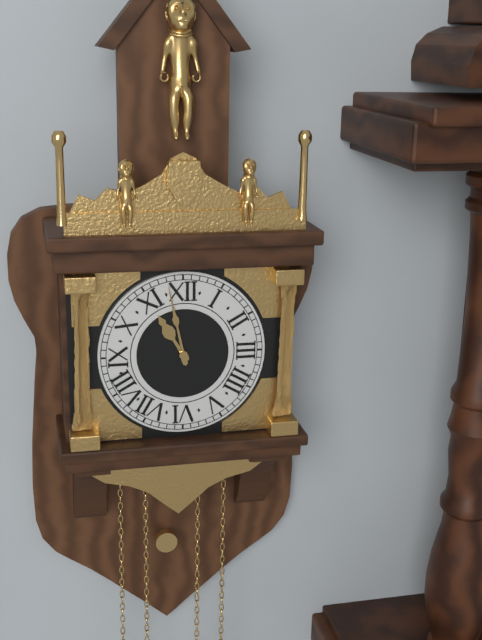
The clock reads **10:58**
